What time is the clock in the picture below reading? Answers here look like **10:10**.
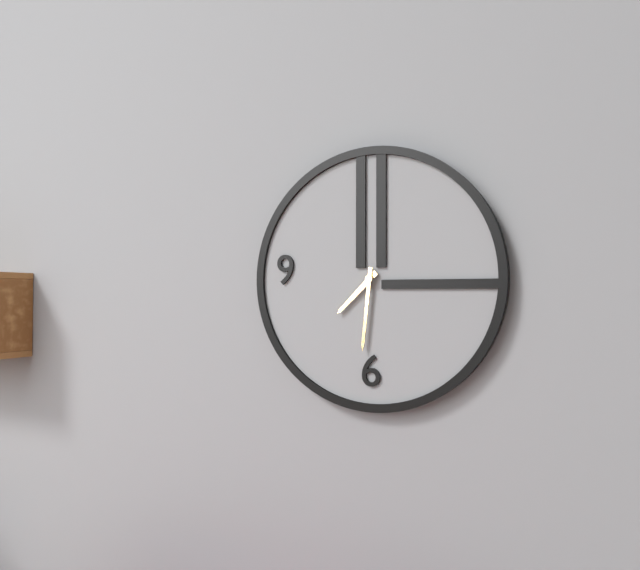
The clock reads **7:31**
